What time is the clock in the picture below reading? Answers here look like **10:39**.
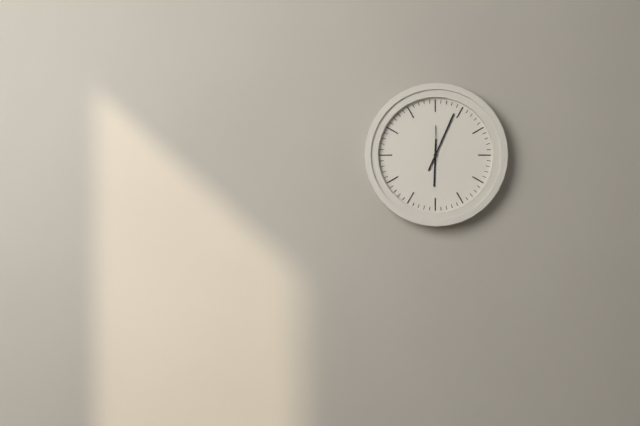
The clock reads **6:04**
